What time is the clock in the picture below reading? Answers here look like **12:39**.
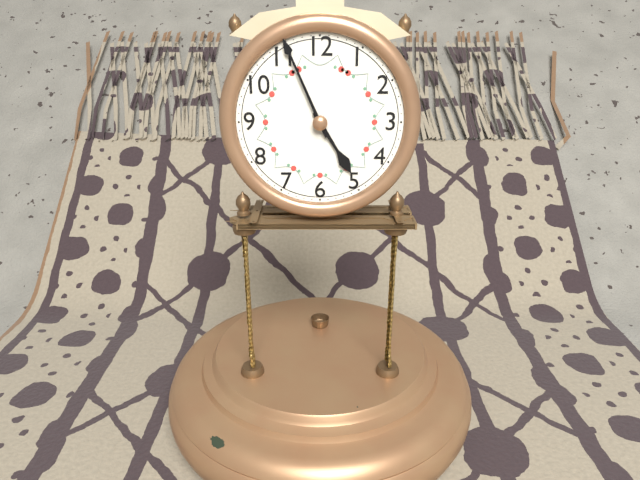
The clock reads **4:56**
